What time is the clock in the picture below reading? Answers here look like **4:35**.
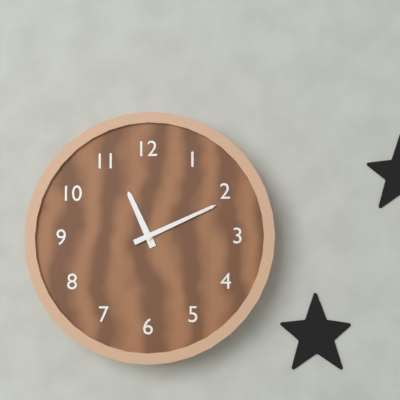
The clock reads **11:11**
